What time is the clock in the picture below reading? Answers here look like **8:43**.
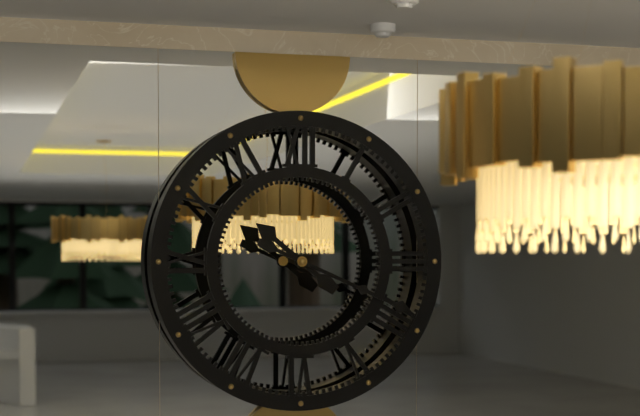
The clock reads **10:19**
